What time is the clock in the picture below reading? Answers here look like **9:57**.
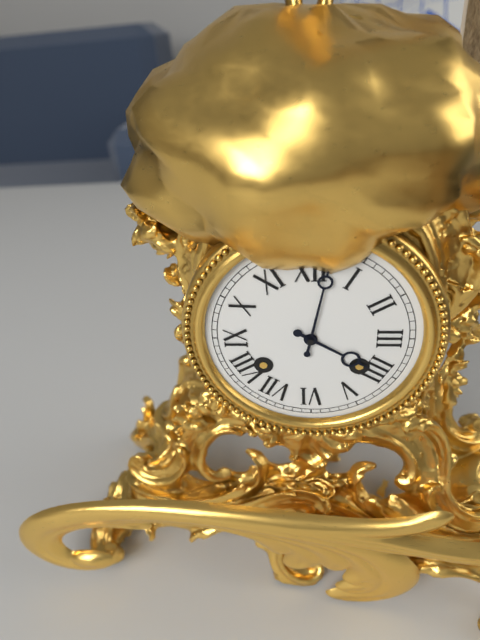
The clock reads **4:02**
